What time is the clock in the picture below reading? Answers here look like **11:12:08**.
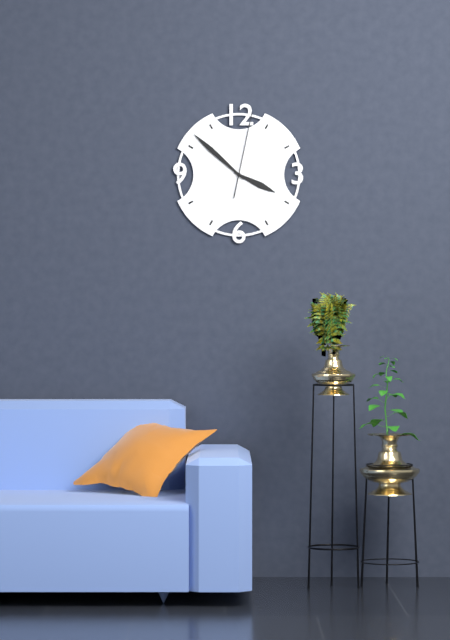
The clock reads **3:52:02**
